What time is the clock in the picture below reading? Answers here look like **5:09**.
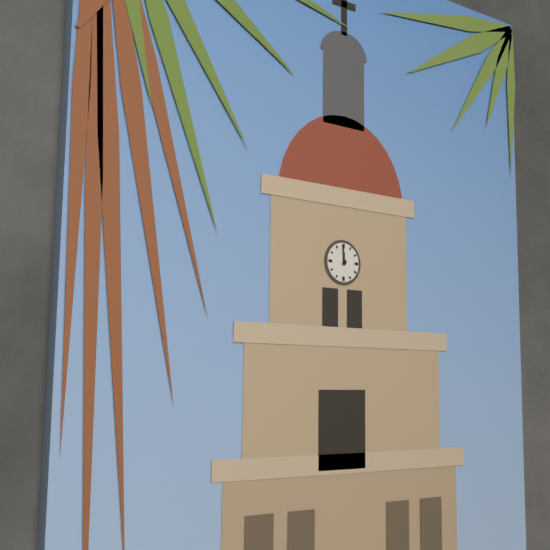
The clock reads **11:59**
